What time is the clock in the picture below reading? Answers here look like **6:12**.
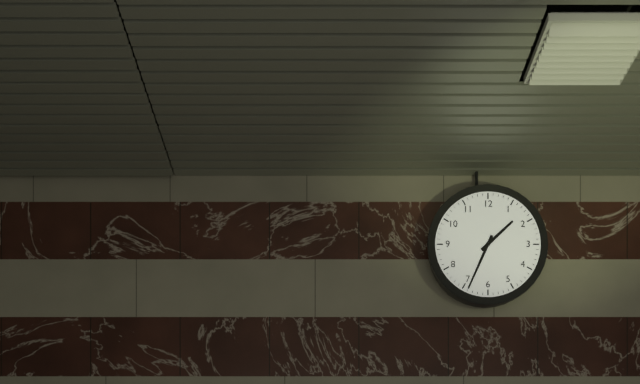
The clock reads **1:34**
